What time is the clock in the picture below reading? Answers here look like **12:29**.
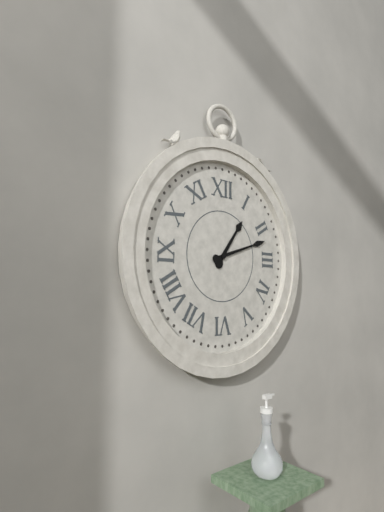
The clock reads **1:12**
